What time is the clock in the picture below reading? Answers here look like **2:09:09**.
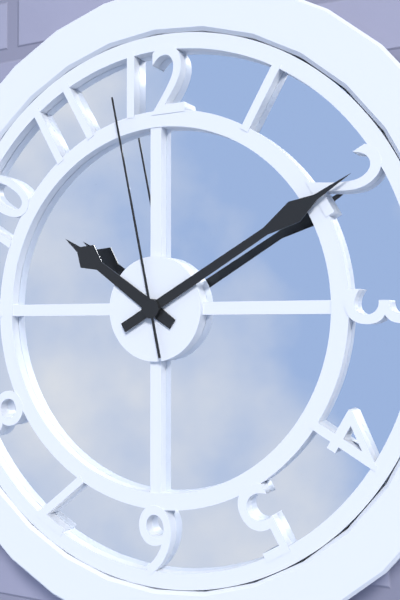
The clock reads **10:10:58**
